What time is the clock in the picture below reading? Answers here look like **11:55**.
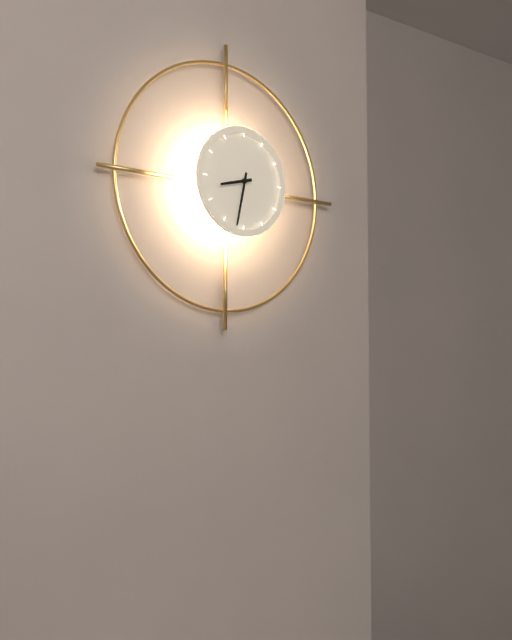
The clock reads **8:32**
